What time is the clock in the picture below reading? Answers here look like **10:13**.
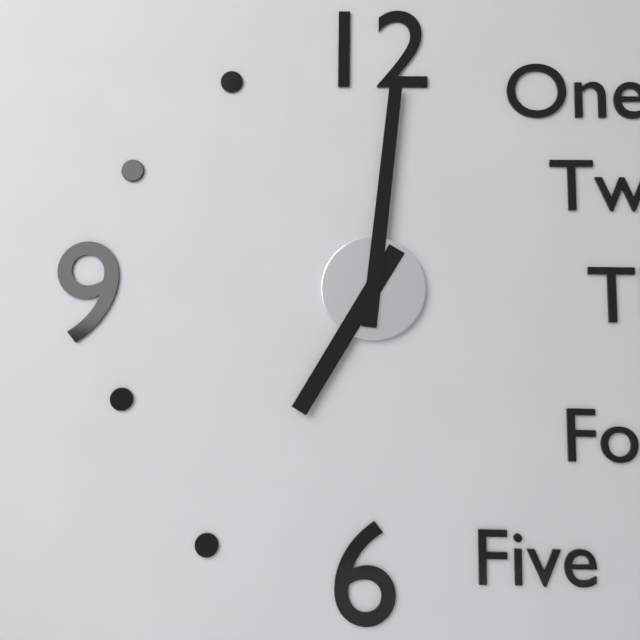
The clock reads **7:01**
